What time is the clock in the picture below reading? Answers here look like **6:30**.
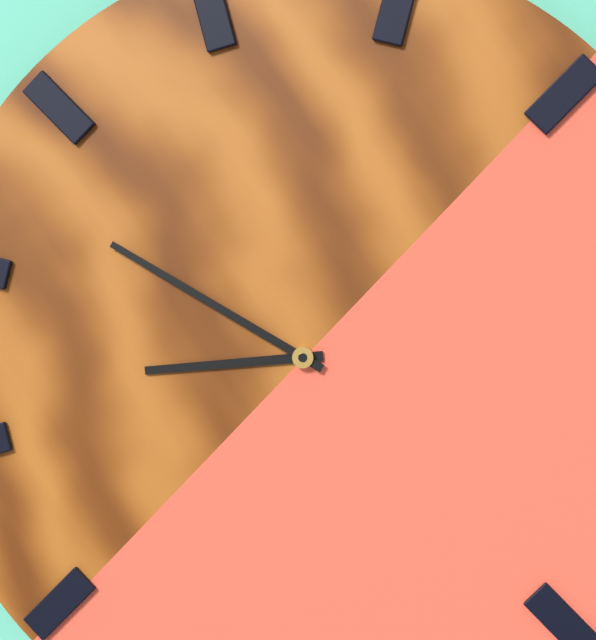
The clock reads **8:50**
